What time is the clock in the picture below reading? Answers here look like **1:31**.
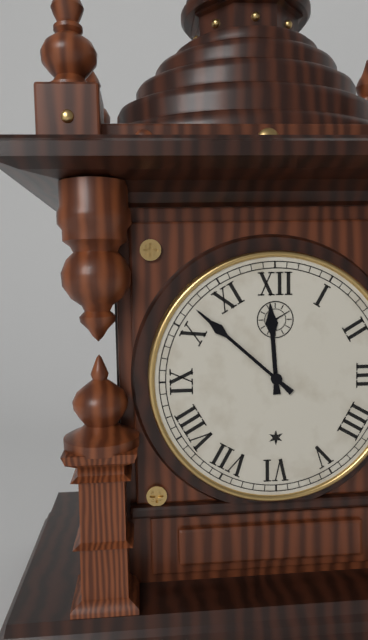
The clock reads **11:52**
